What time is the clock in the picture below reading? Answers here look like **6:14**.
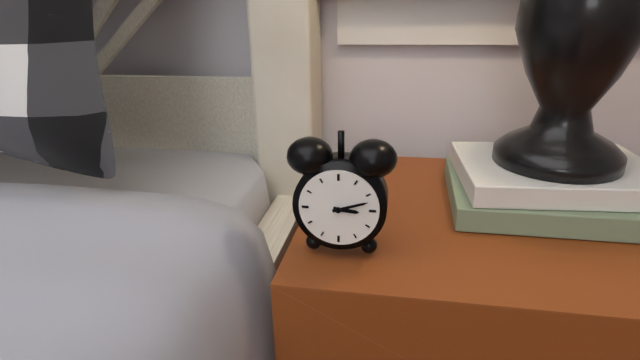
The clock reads **3:12**
